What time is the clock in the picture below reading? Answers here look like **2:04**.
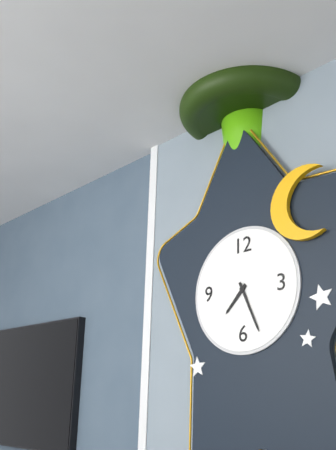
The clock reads **7:26**
